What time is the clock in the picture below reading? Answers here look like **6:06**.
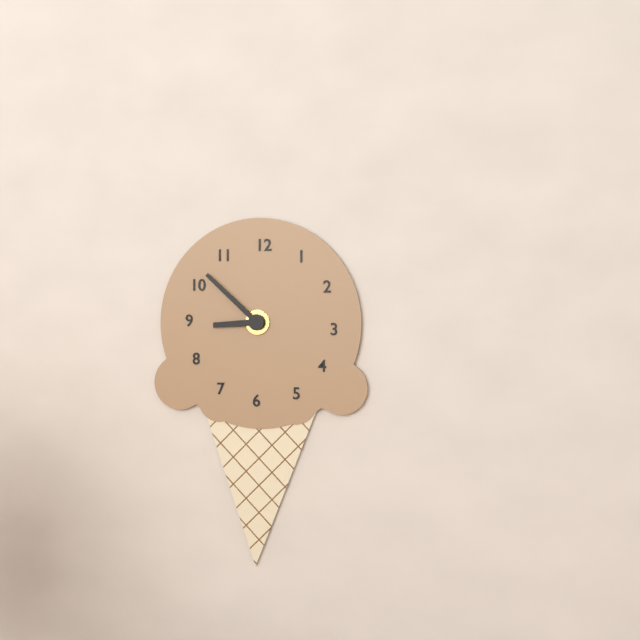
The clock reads **8:52**
